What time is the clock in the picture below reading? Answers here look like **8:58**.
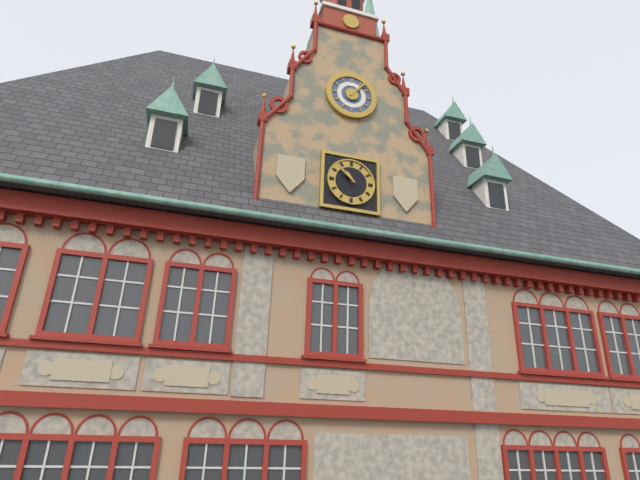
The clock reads **10:52**
